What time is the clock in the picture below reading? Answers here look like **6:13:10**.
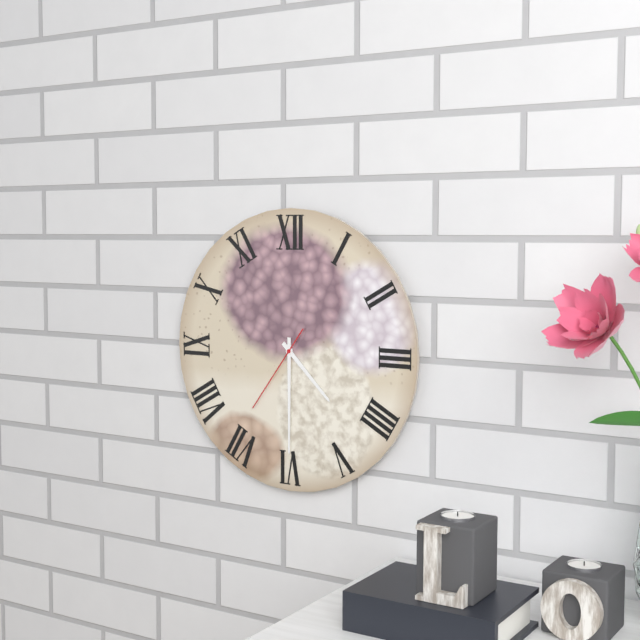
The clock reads **4:30:36**
